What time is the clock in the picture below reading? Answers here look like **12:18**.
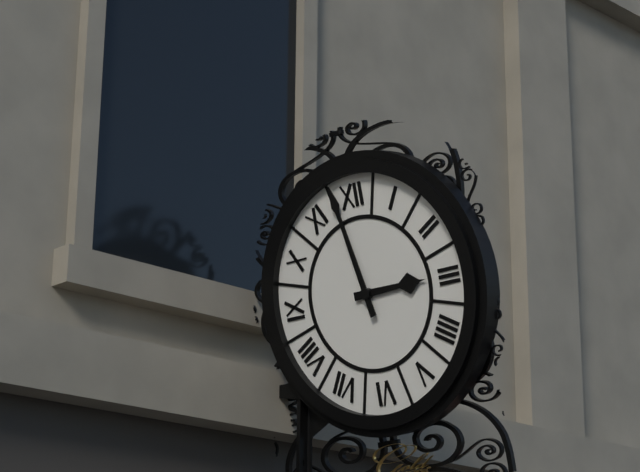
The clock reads **2:58**
